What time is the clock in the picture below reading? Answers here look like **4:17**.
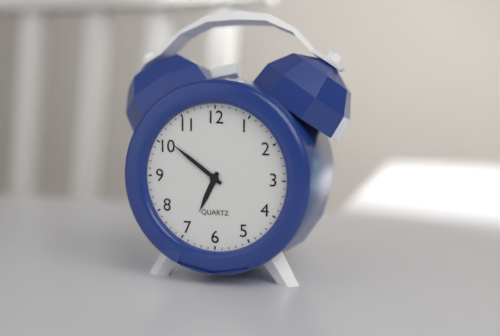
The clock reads **6:51**
